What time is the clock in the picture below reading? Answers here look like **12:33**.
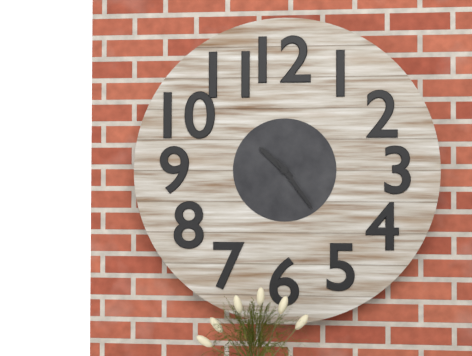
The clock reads **10:24**
